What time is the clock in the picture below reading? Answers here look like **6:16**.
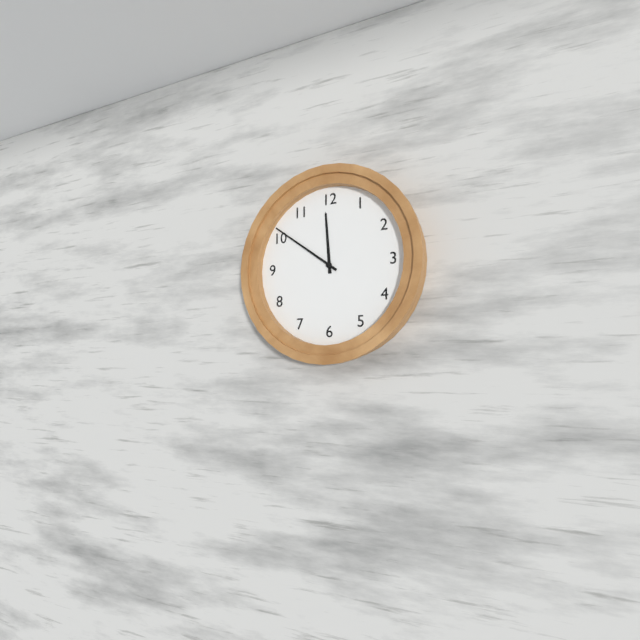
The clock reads **11:51**
